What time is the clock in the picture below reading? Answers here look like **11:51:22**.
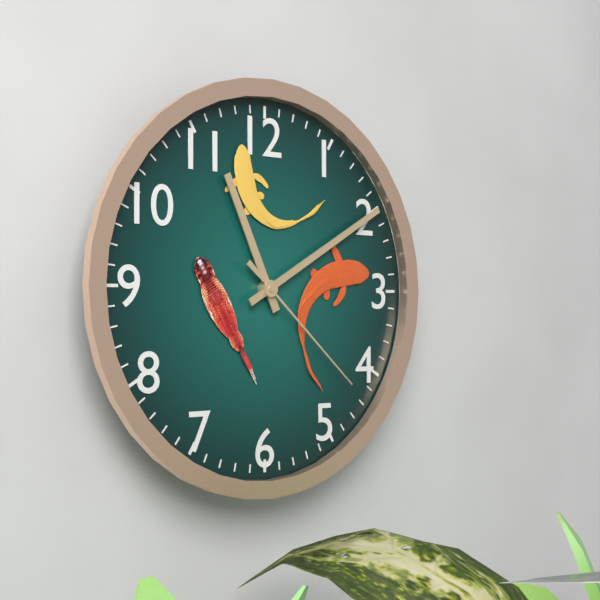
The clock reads **11:10:22**
